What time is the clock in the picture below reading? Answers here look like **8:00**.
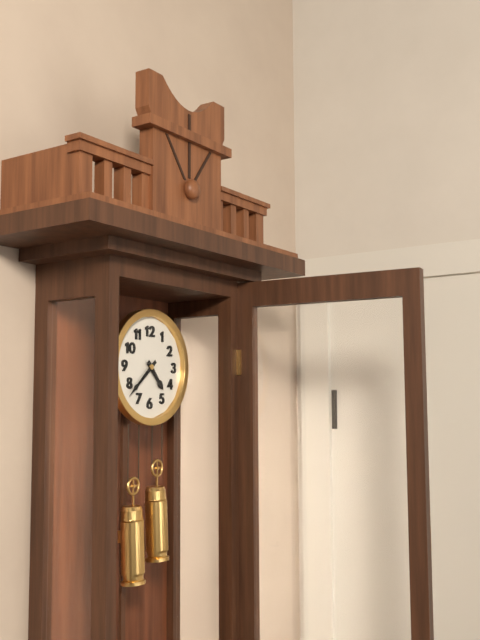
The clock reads **4:38**
